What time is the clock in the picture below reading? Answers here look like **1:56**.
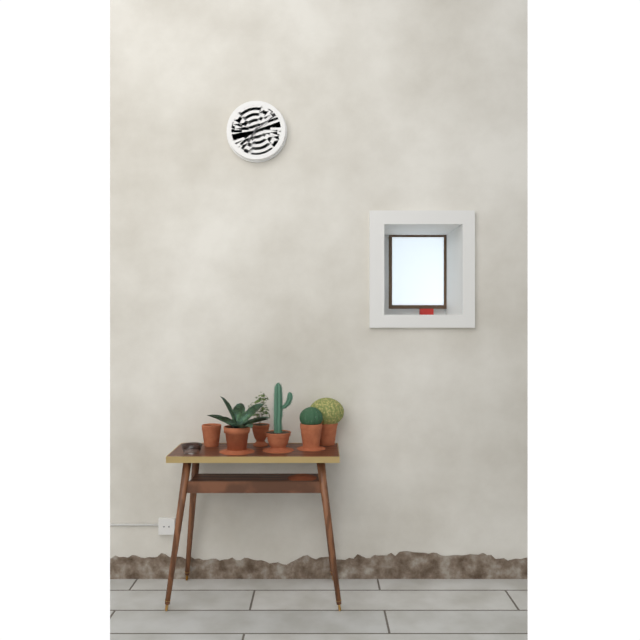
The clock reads **7:09**
